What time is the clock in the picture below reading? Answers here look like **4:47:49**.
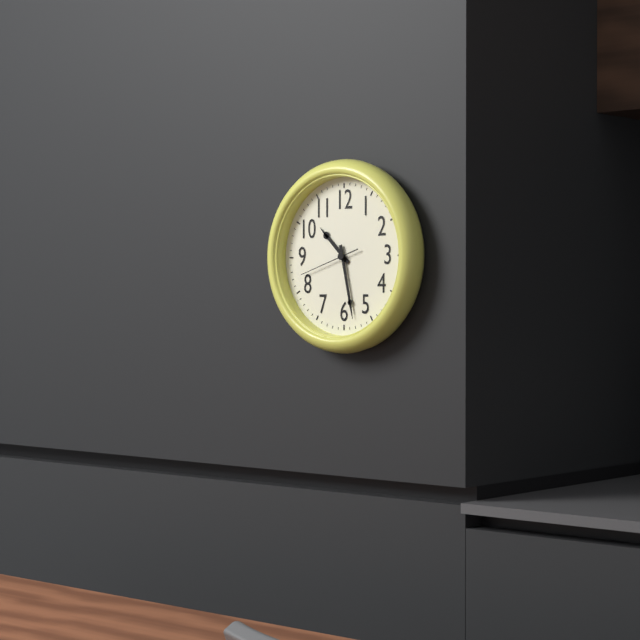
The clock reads **10:28:42**
